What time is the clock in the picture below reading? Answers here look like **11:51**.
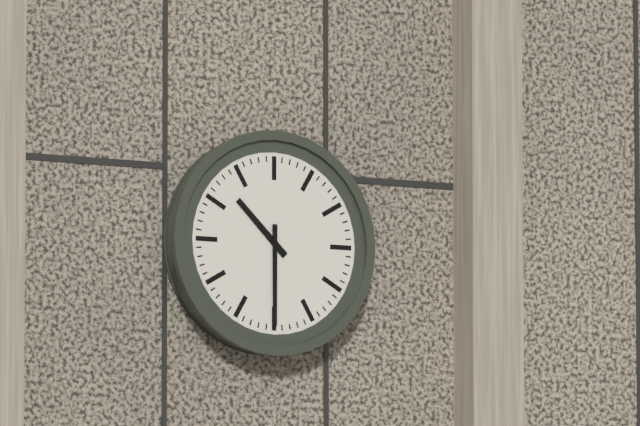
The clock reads **10:30**
